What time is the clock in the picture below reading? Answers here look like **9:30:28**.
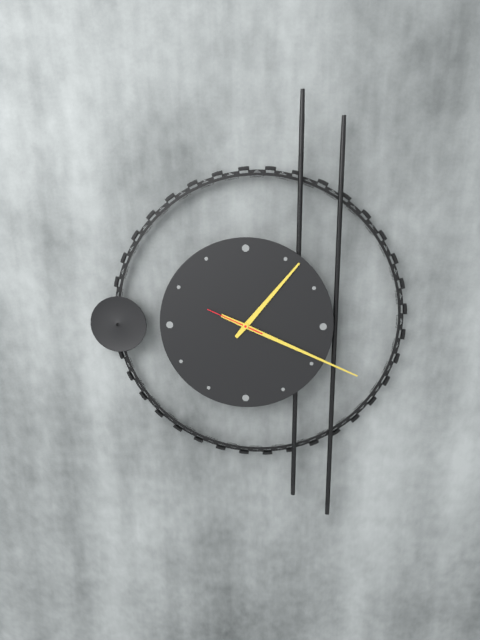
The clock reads **1:19:49**
